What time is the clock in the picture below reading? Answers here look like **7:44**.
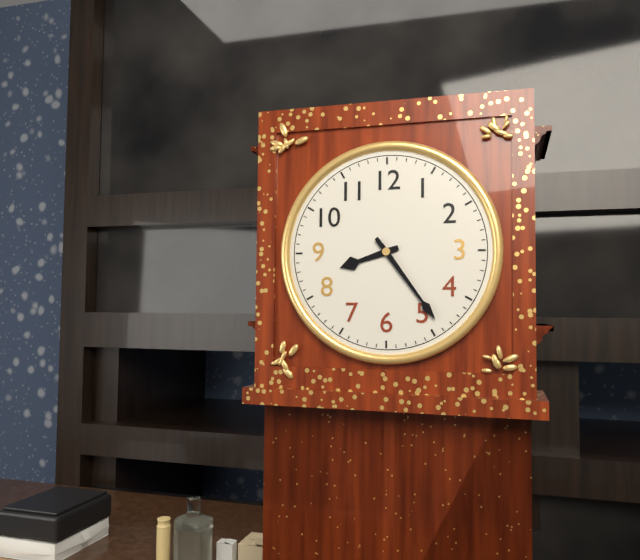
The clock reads **8:24**
